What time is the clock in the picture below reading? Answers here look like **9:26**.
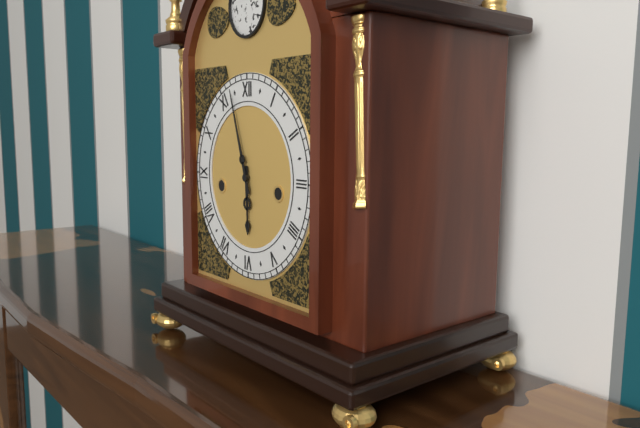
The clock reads **5:57**
